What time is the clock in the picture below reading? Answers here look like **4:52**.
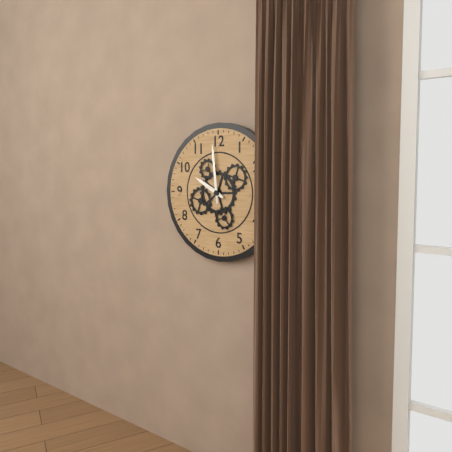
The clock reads **9:59**
